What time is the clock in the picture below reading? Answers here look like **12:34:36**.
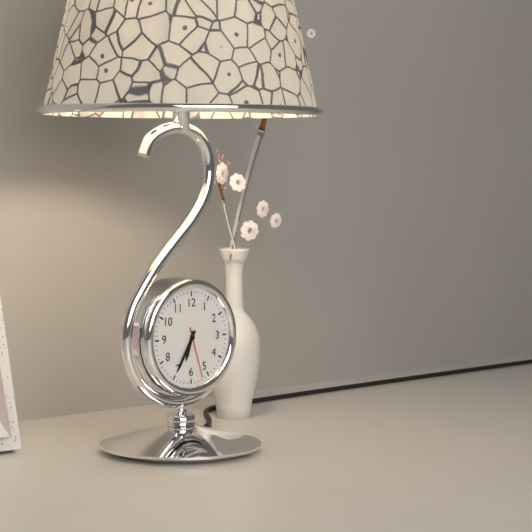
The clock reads **6:35:27**
